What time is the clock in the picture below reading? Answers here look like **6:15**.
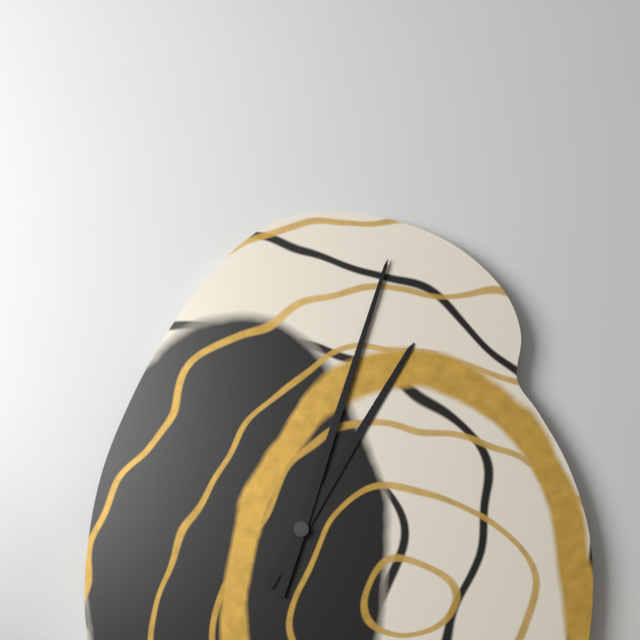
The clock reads **1:03**
